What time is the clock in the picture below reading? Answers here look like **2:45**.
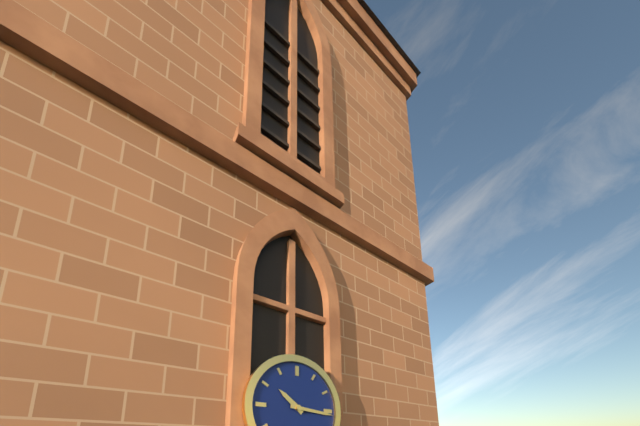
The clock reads **10:16**
